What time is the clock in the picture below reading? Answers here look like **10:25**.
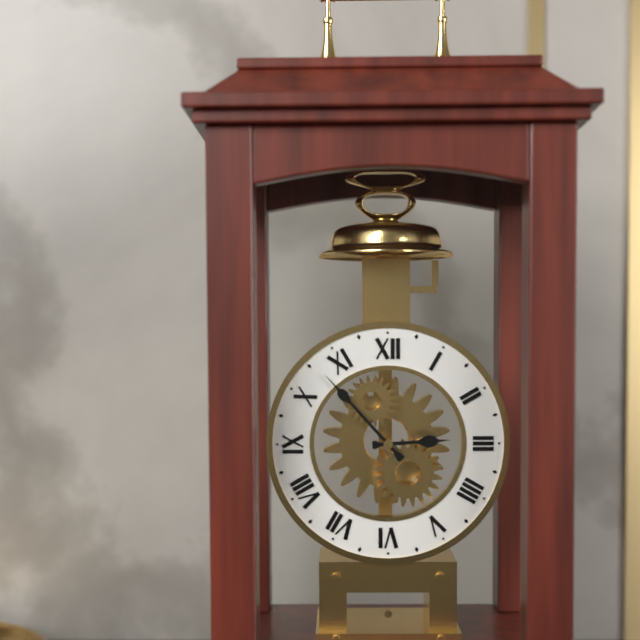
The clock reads **2:53**
